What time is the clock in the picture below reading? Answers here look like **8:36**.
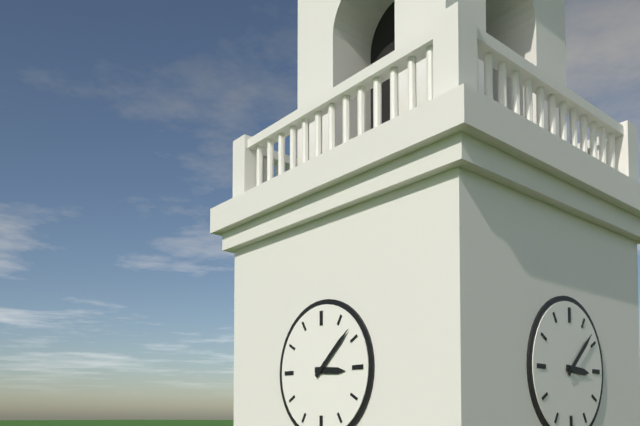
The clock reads **3:08**
